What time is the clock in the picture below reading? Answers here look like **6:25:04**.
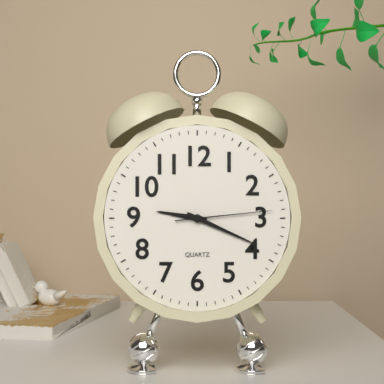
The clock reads **9:19:14**
